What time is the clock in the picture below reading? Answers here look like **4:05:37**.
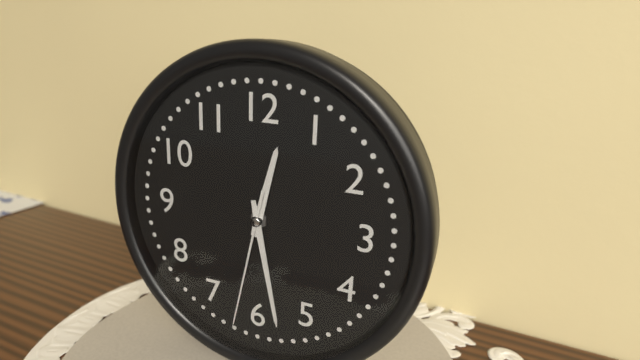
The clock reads **12:28:32**
